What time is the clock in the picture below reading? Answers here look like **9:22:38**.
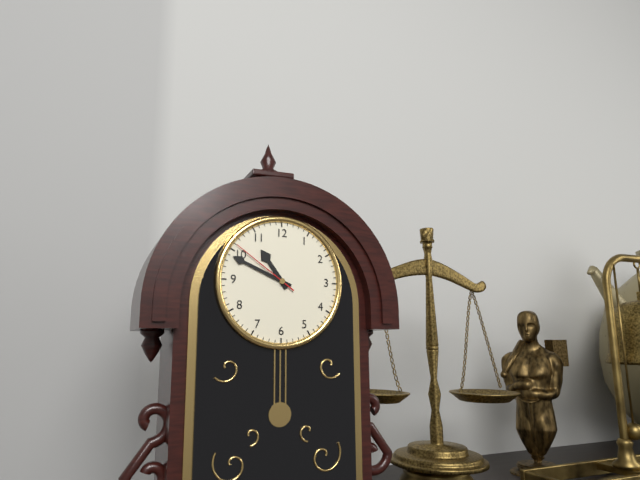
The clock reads **10:49:51**
